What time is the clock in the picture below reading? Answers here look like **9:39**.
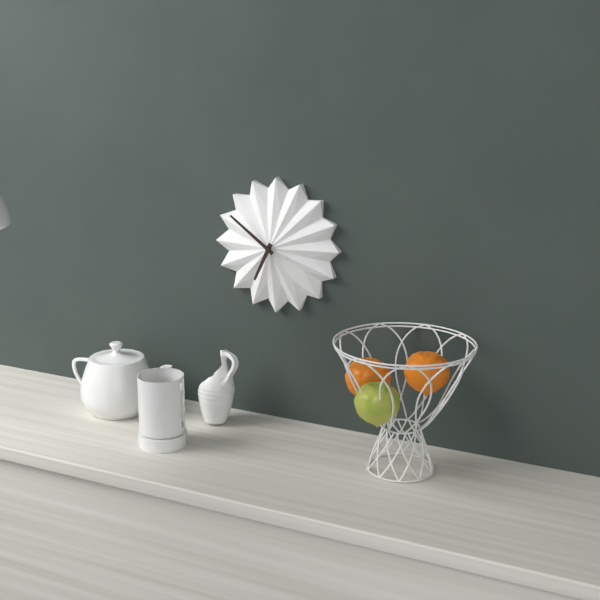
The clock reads **6:51**
